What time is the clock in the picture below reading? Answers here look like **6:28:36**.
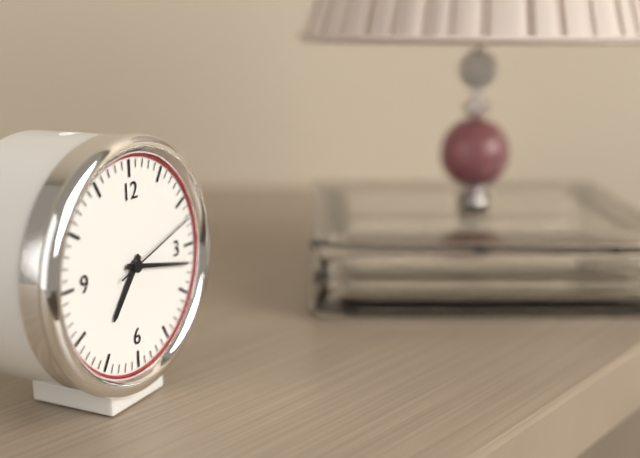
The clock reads **7:17:12**
